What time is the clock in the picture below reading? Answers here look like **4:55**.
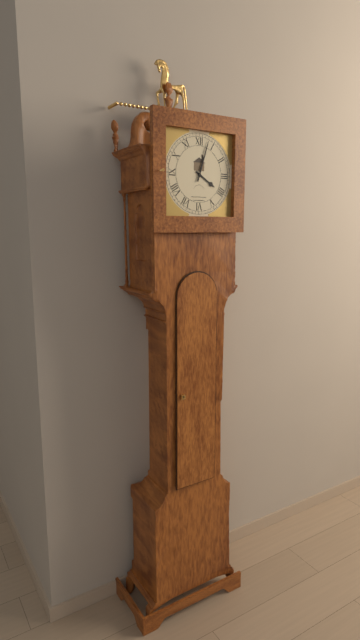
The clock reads **4:03**
